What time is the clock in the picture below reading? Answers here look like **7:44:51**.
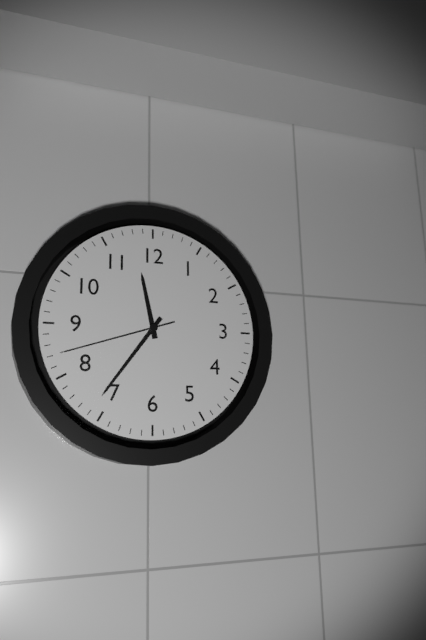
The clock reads **11:36:42**
